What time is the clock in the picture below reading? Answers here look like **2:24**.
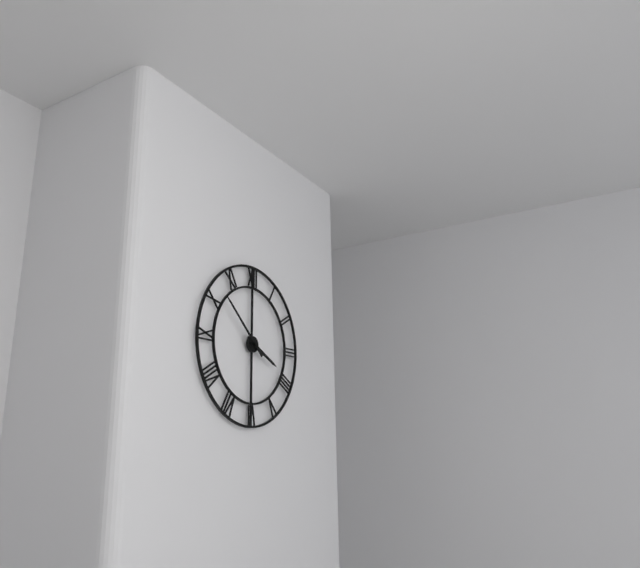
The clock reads **3:52**
